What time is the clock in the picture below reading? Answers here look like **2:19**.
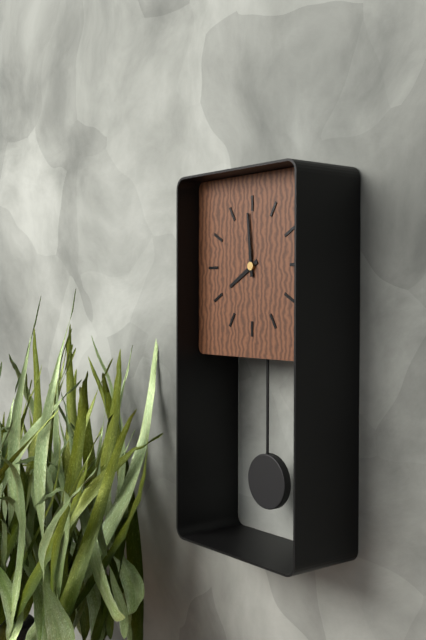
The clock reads **7:59**
